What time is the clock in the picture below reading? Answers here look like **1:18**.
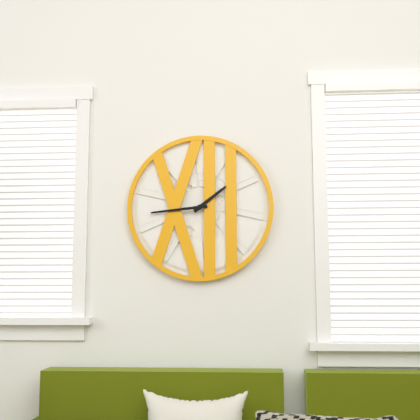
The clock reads **1:44**
